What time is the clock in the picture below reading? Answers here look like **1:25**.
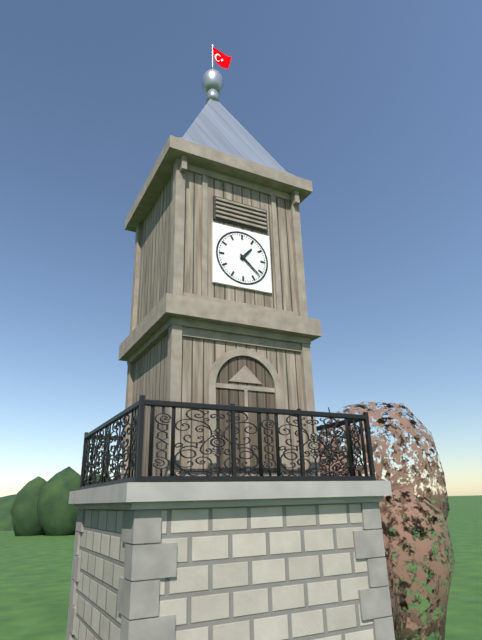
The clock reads **1:22**
